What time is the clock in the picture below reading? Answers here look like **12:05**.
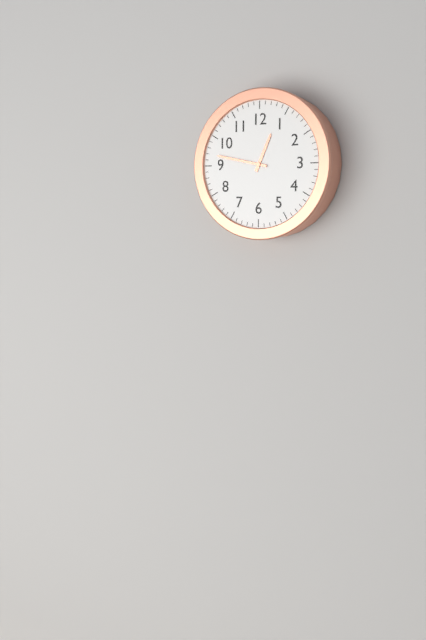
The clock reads **12:47**
